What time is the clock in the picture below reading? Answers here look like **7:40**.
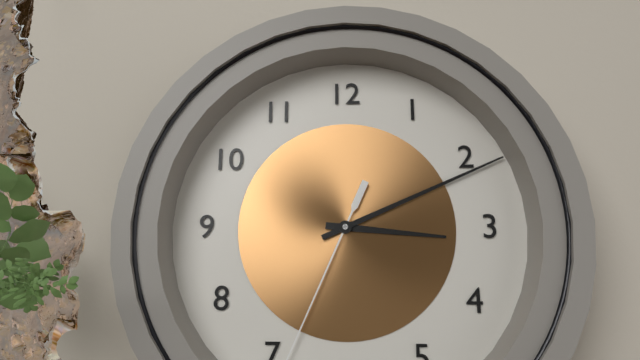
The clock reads **3:11**
